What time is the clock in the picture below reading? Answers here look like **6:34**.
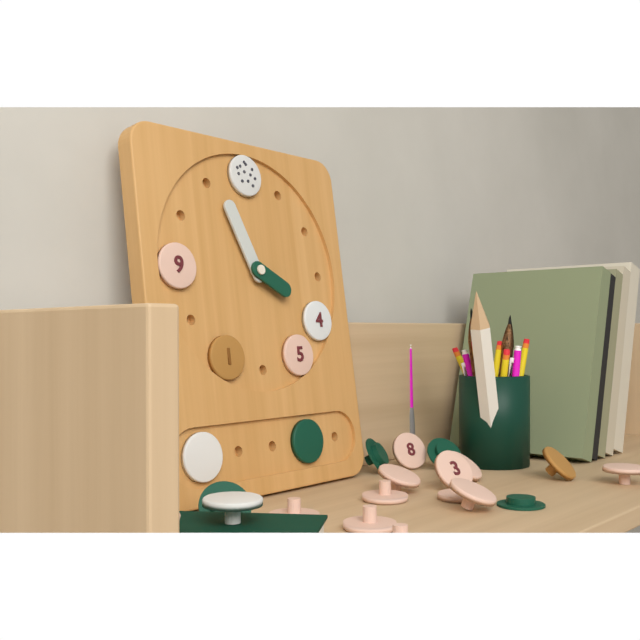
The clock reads **3:56**
